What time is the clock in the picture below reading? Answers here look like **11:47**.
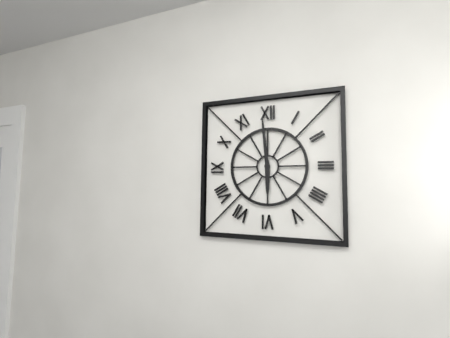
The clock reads **5:59**
